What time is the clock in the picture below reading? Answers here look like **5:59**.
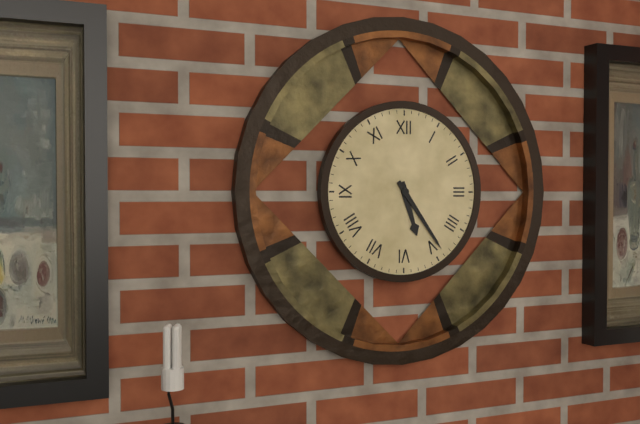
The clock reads **5:24**
